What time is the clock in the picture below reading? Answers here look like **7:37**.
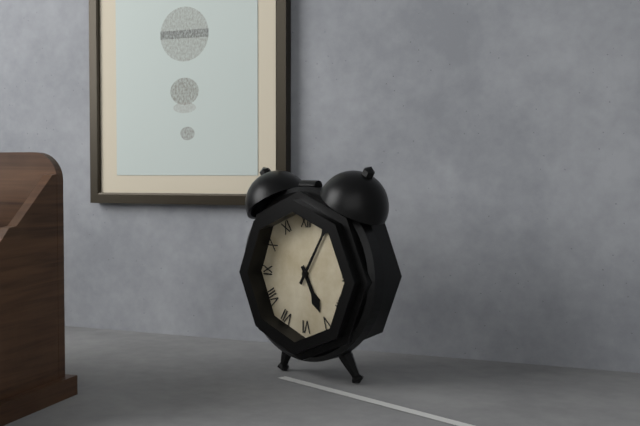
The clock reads **5:05**
